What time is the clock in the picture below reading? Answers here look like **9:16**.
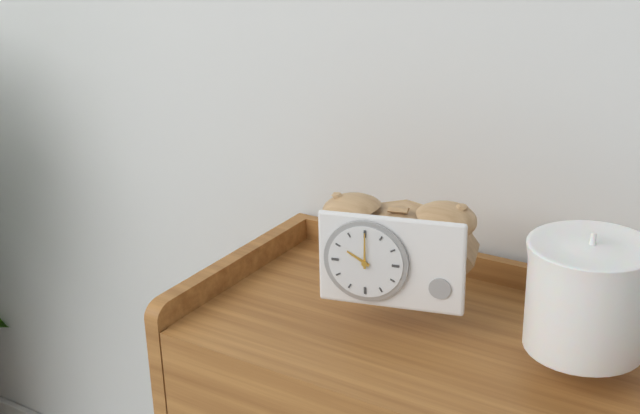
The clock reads **10:00**
